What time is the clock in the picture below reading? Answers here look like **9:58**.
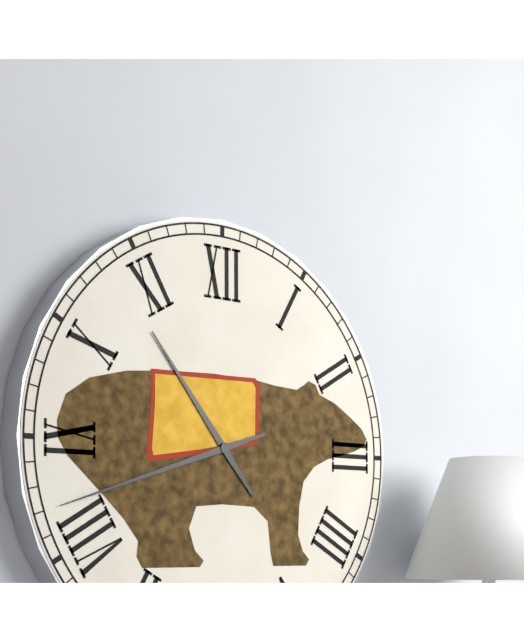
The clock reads **10:42**
